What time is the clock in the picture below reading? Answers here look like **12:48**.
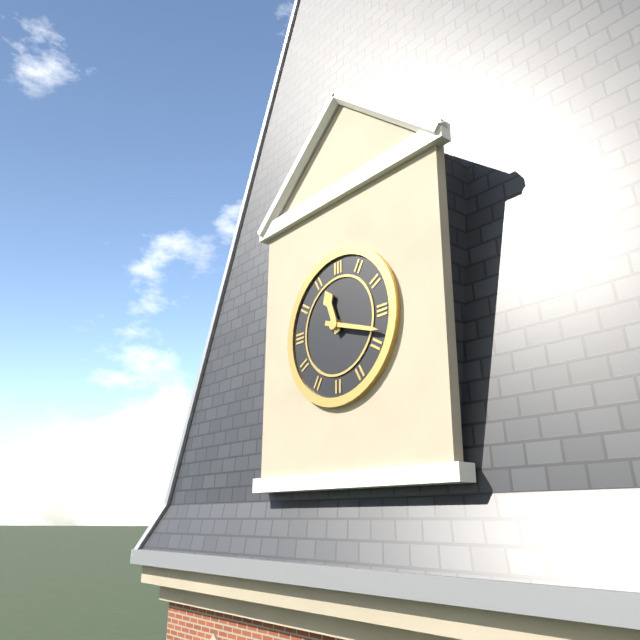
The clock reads **11:18**
